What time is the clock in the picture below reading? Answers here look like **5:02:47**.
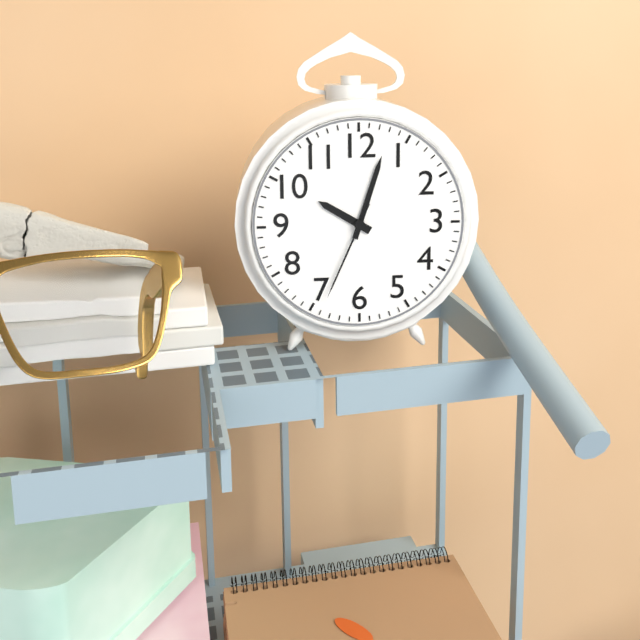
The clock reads **10:03:34**
